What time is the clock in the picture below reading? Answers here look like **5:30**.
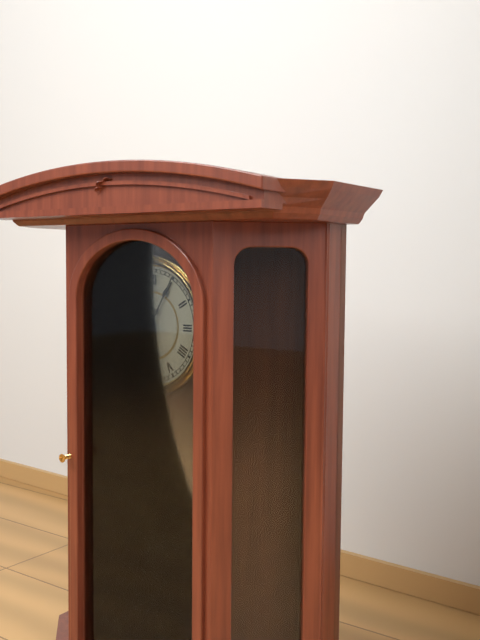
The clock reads **11:05**
